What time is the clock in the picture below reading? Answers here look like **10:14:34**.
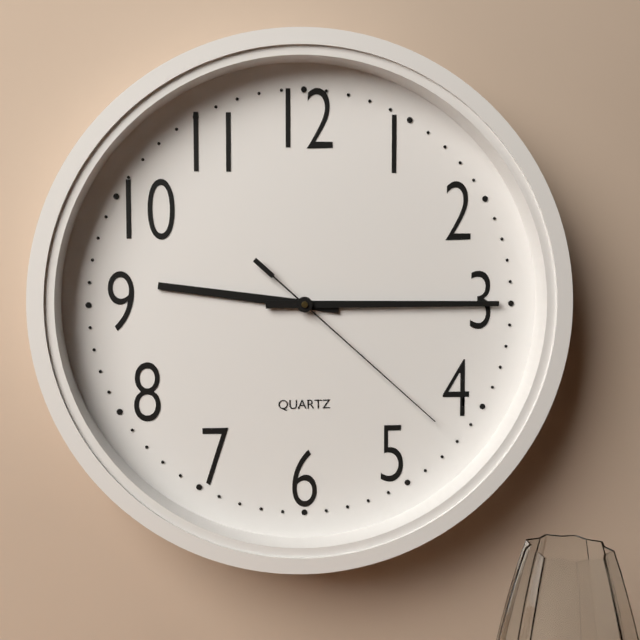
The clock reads **9:15:22**
